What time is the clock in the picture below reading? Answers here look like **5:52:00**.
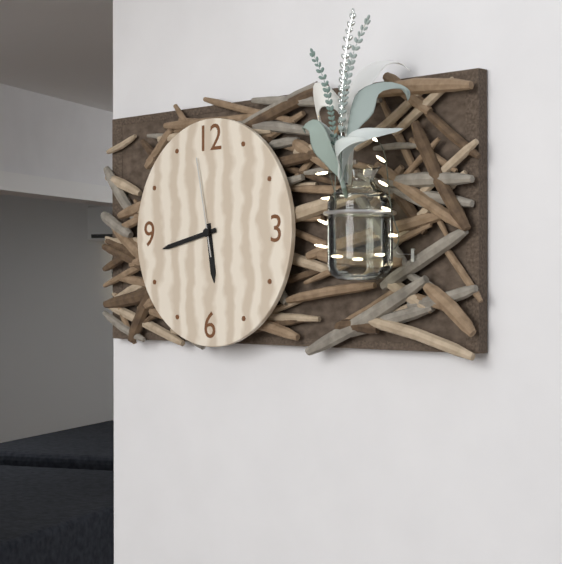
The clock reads **5:43:58**
